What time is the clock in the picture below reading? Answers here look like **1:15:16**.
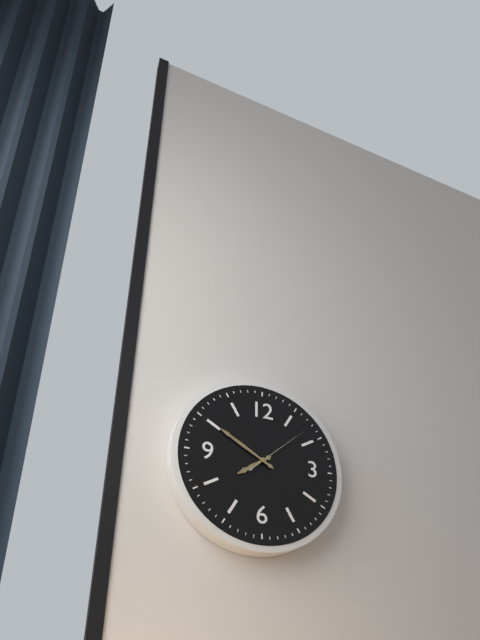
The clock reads **7:50:08**
